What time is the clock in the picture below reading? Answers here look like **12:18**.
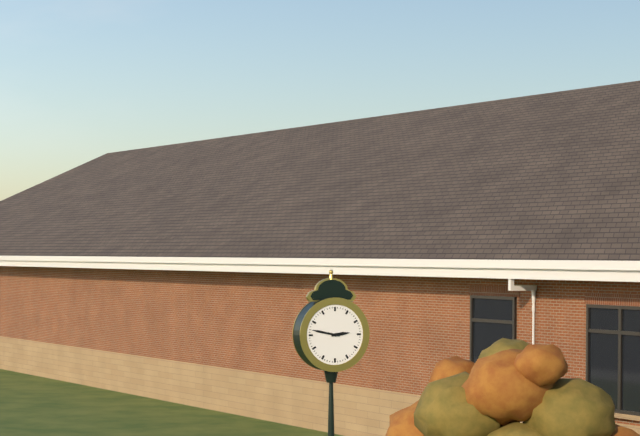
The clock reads **2:47**
